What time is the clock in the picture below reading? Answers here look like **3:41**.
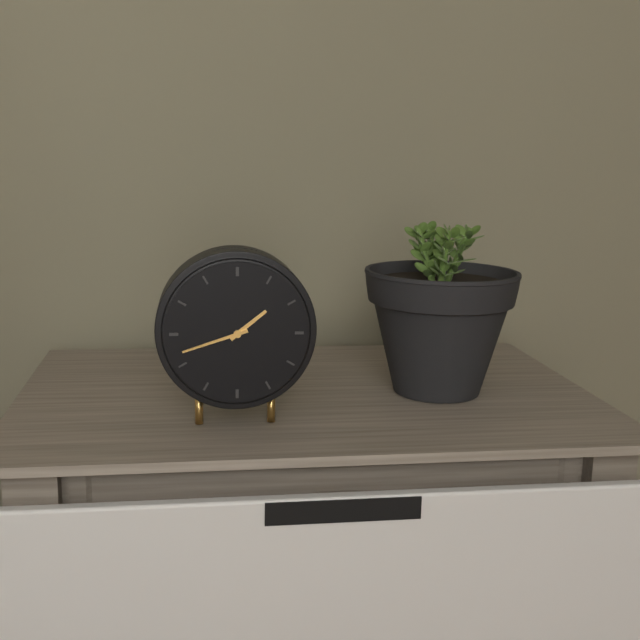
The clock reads **1:42**
